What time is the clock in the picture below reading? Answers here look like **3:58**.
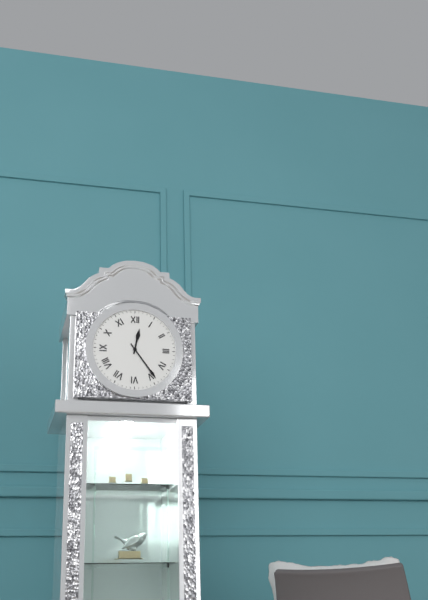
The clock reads **12:24**
